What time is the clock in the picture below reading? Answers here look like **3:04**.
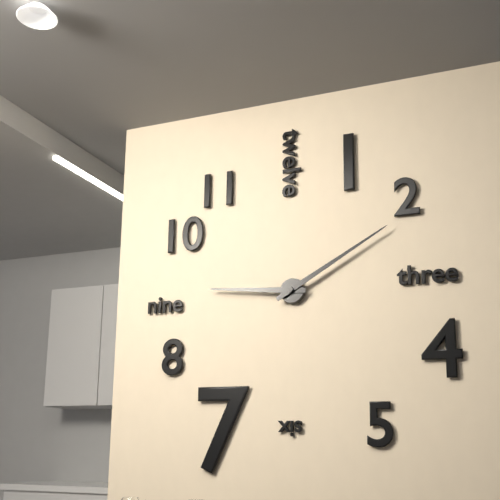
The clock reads **9:10**
